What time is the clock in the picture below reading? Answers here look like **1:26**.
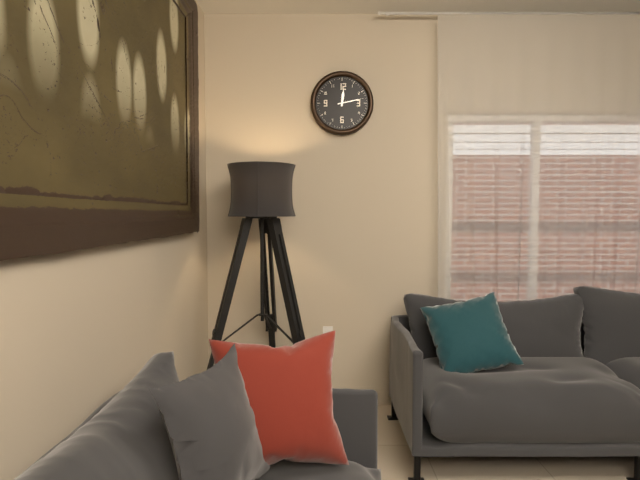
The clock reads **12:13**
